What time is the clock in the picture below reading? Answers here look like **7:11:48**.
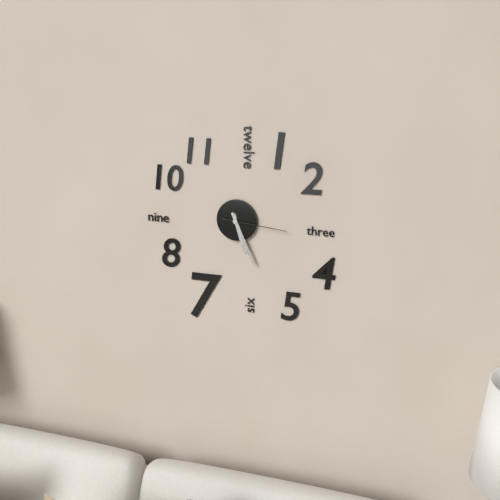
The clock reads **5:26:16**
